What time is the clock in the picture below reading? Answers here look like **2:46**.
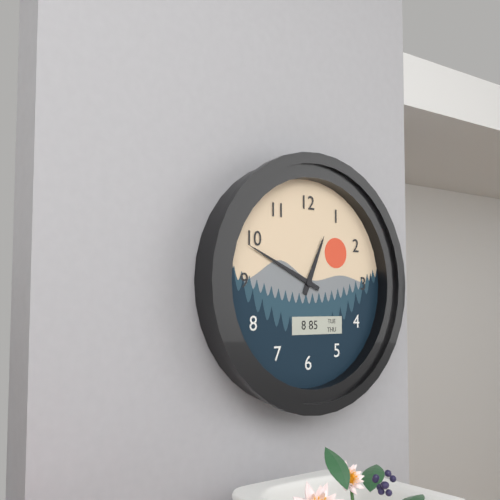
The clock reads **12:49**
